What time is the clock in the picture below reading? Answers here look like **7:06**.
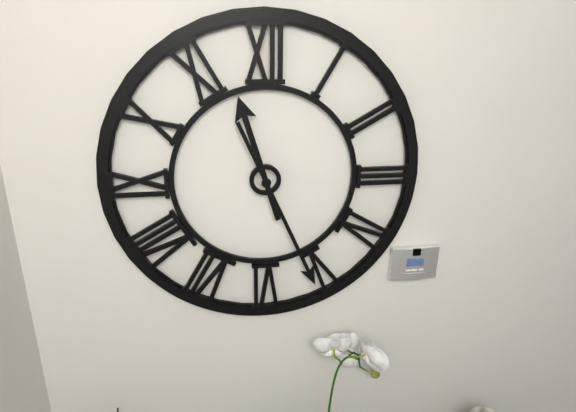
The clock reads **11:26**
